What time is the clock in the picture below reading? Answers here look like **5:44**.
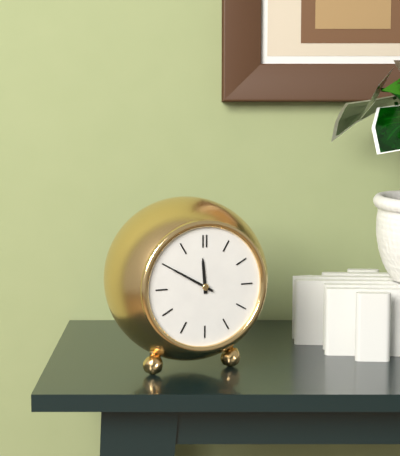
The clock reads **11:50**
